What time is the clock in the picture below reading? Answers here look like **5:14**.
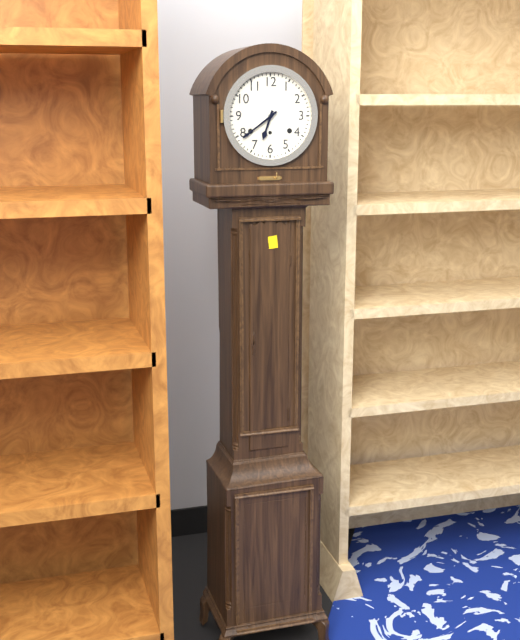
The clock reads **6:39**
